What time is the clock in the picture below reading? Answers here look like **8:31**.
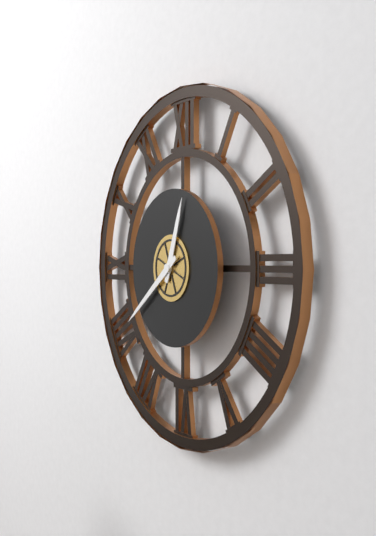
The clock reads **12:39**
